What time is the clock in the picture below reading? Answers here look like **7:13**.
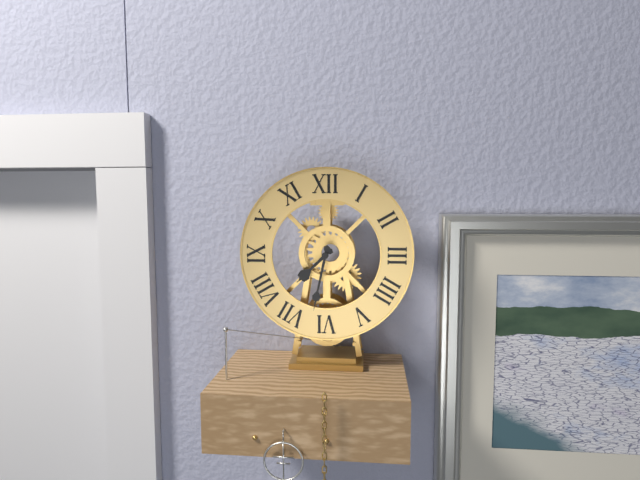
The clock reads **7:32**
